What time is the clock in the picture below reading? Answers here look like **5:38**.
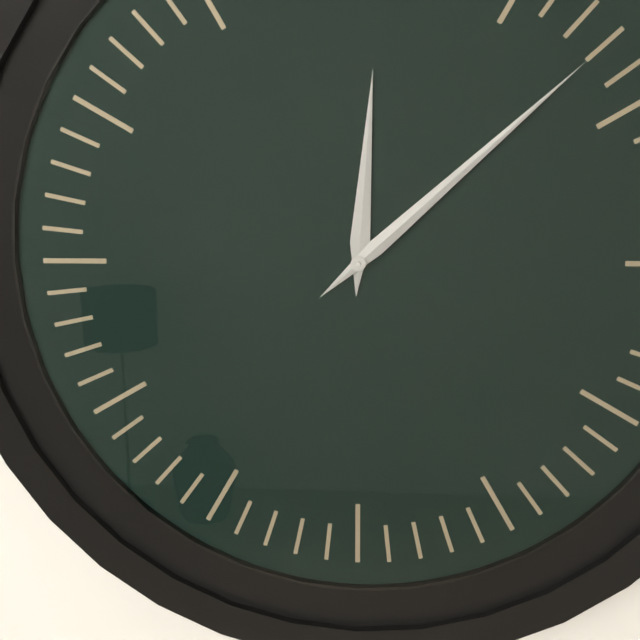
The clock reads **12:08**
